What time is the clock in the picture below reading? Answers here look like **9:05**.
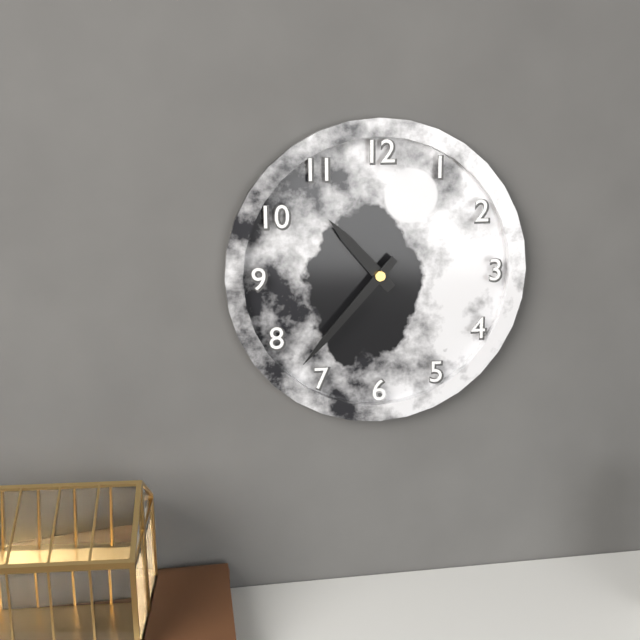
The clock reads **10:37**
